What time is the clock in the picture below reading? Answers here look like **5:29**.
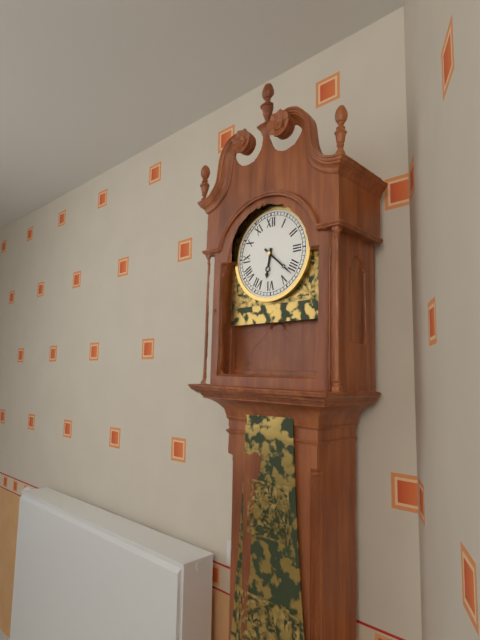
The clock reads **6:22**
